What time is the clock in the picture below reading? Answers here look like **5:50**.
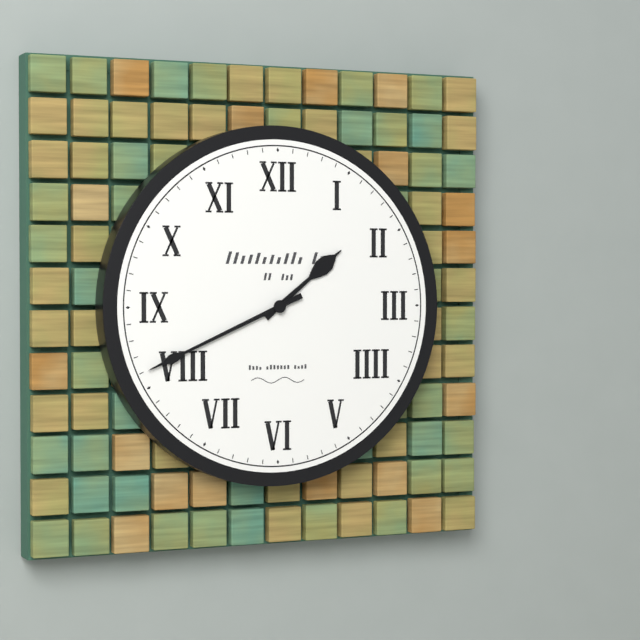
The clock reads **1:41**
